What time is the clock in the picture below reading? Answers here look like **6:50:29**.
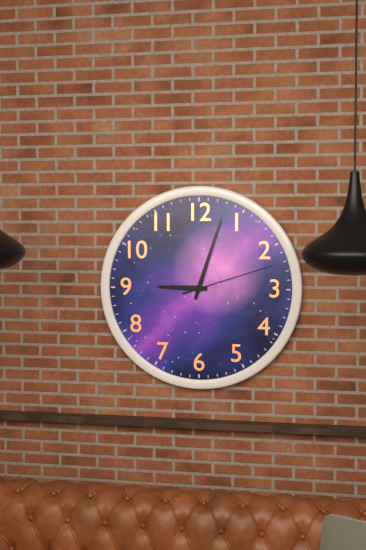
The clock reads **9:03:12**
